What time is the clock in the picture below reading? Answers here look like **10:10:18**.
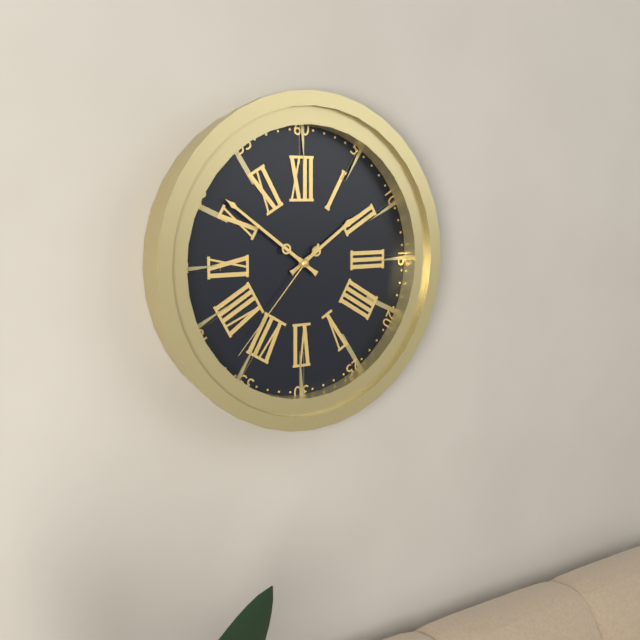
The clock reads **1:51:37**
